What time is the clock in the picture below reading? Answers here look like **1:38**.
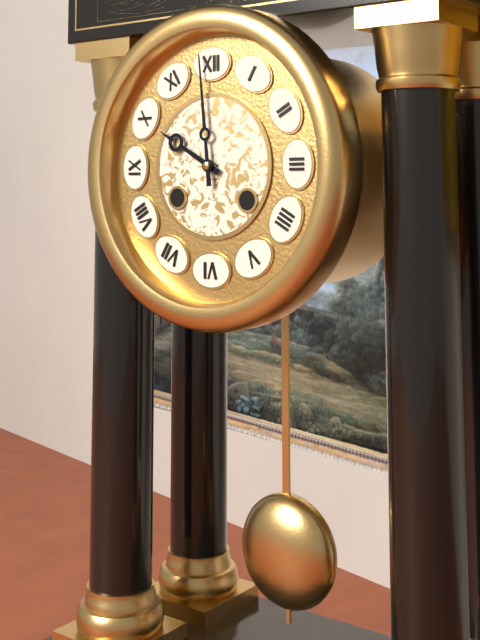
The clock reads **9:59**
